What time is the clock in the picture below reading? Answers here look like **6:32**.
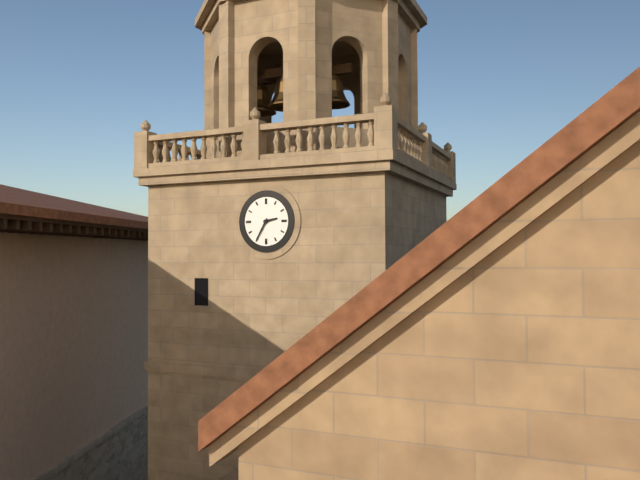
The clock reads **2:35**
